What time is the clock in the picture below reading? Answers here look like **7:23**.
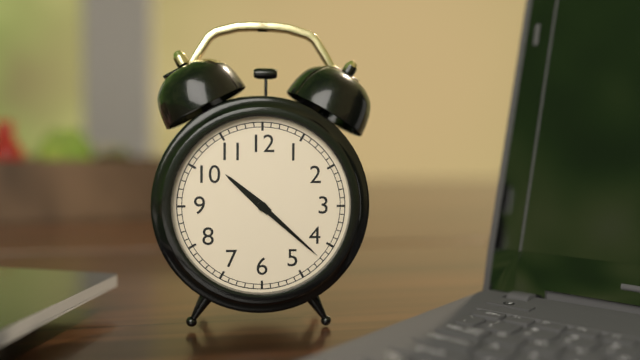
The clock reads **10:22**
